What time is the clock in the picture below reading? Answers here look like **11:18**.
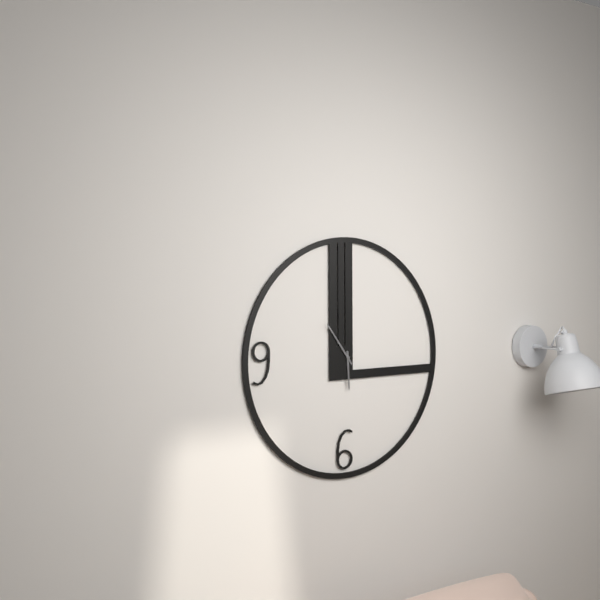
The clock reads **5:54**
